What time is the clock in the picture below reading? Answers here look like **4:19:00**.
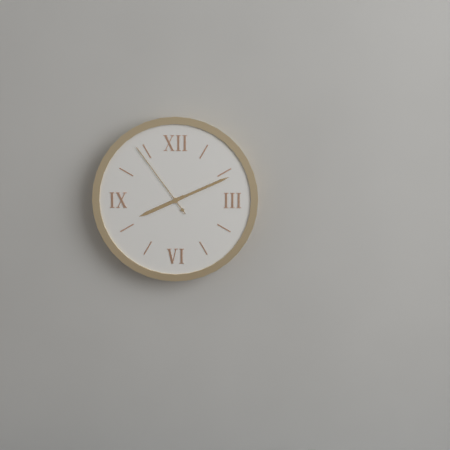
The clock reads **8:11:54**
